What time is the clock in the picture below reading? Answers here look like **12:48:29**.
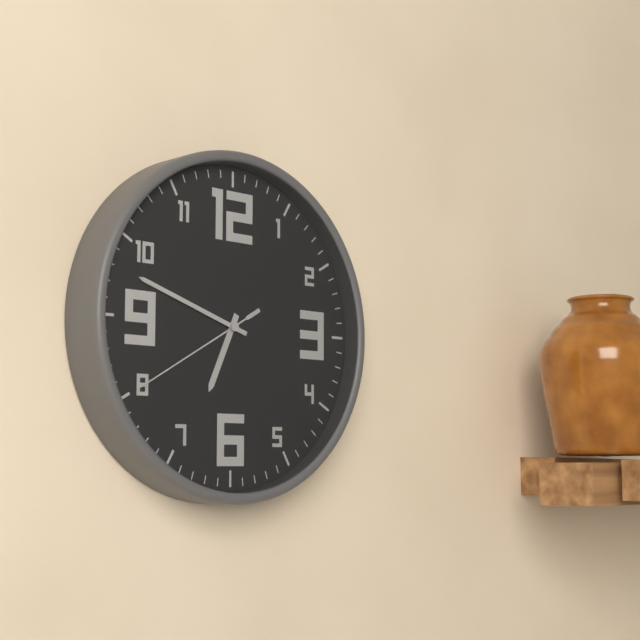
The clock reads **6:48:40**
